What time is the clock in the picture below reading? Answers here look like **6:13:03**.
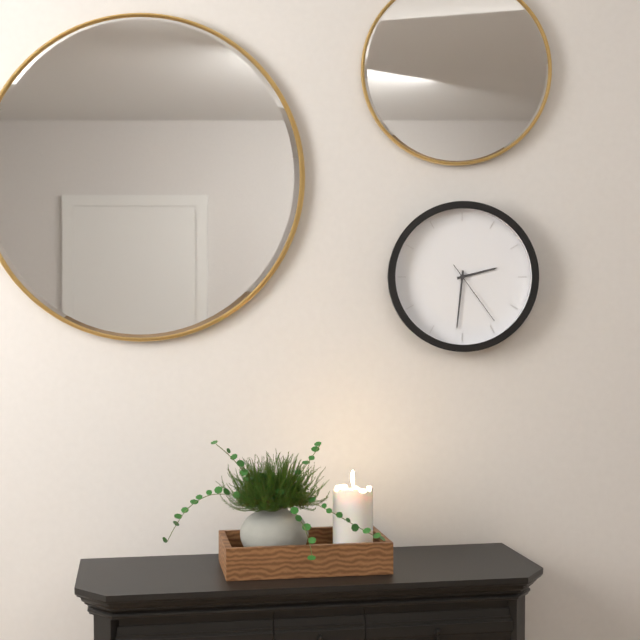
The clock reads **2:31:24**
